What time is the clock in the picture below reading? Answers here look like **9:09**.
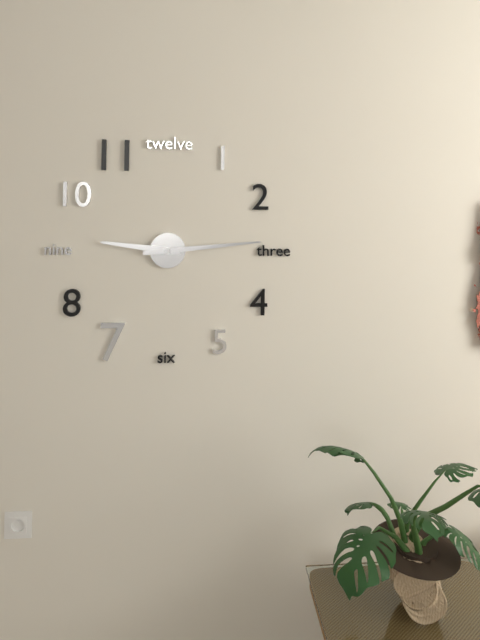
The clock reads **9:14**
